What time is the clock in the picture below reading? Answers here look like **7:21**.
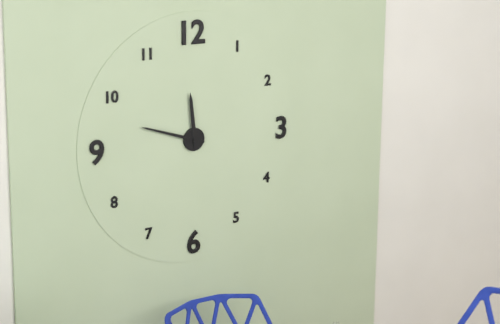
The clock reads **11:48**
